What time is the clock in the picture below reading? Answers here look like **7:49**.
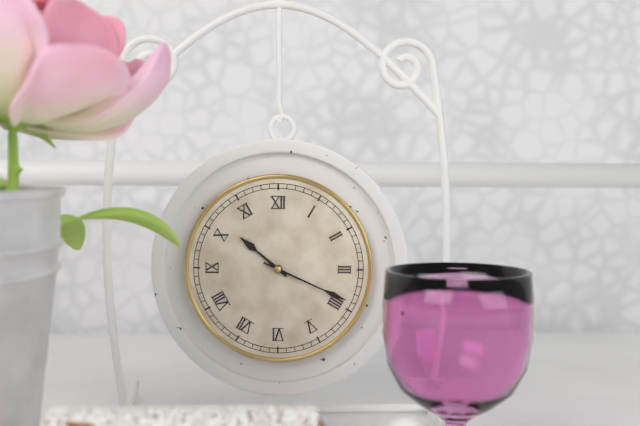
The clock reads **10:19**
